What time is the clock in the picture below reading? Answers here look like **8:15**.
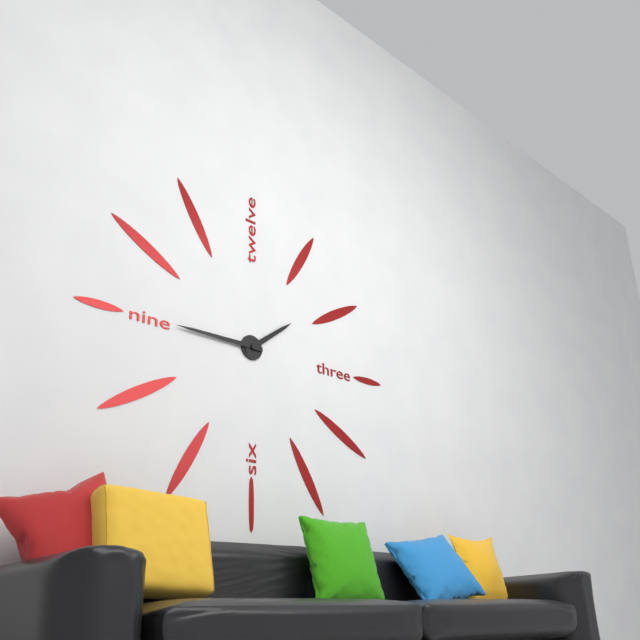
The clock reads **1:45**
